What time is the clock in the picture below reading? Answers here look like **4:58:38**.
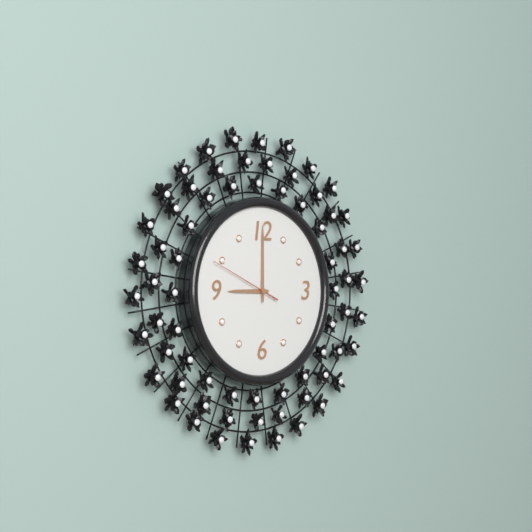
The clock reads **9:00:49**
